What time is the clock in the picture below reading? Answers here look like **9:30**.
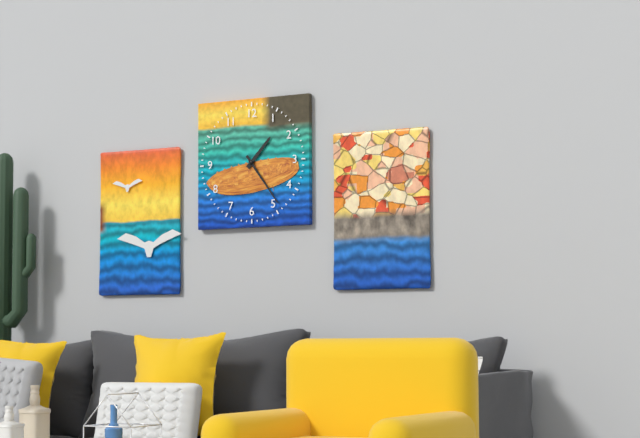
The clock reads **1:24**
